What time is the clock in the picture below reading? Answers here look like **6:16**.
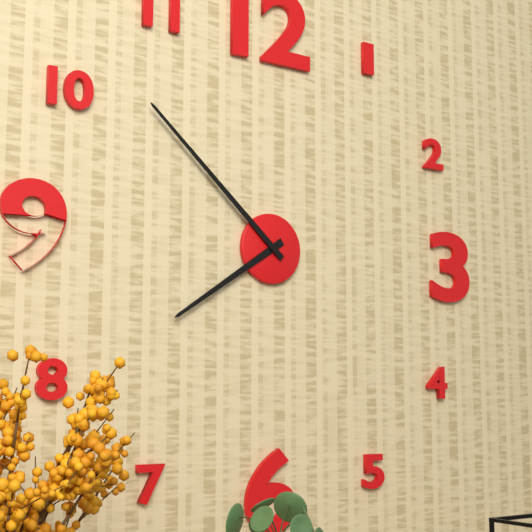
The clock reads **7:52**
